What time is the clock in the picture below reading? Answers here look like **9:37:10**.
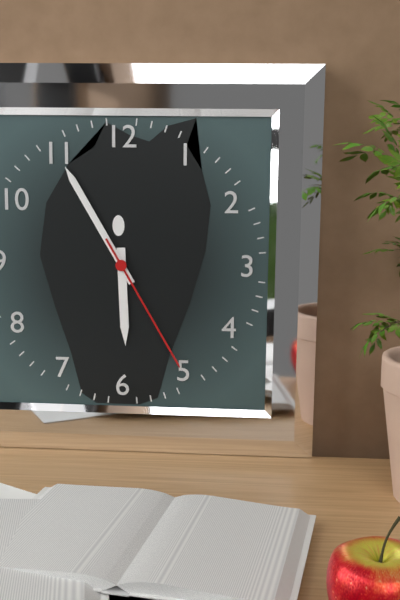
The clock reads **5:55:25**
